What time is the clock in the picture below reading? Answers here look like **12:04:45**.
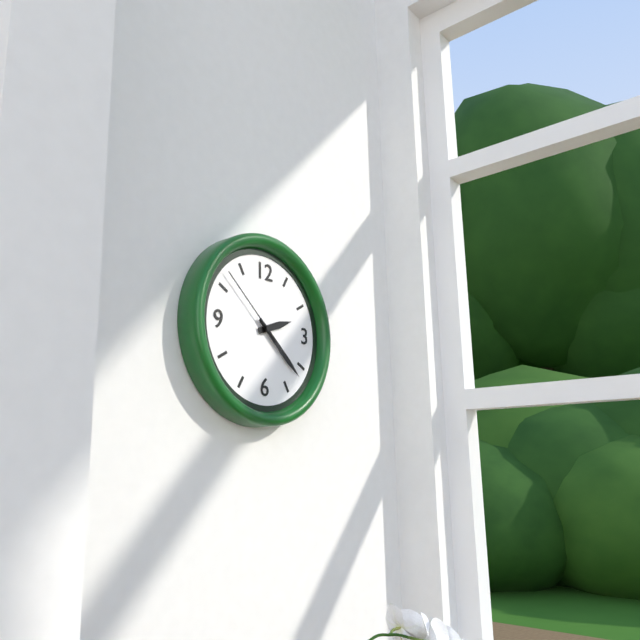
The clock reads **2:22:52**
